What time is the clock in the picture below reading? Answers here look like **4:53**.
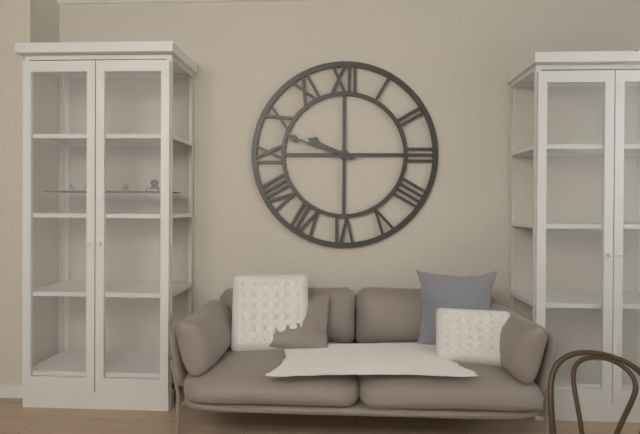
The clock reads **9:48**
